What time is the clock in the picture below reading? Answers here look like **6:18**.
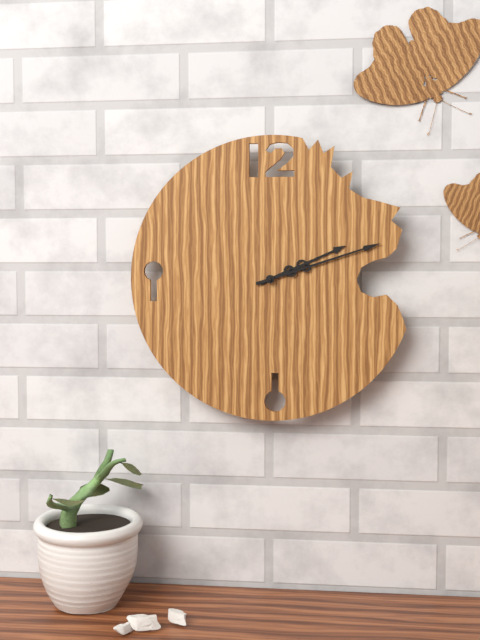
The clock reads **2:12**
